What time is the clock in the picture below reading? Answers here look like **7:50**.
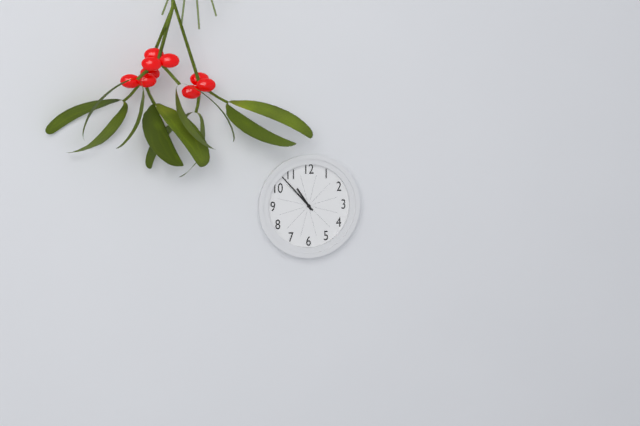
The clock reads **10:53**
